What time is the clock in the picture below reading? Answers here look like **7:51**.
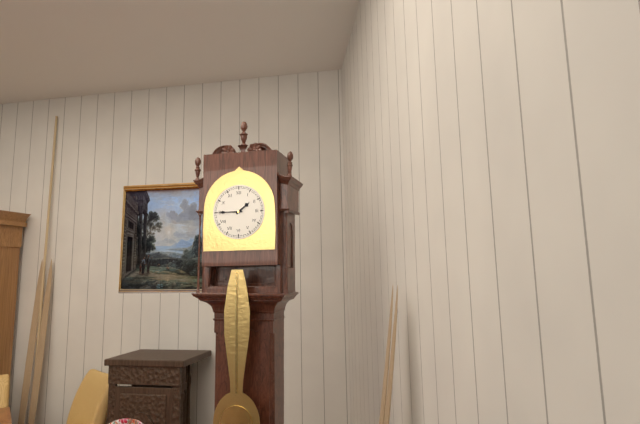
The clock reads **1:45**
